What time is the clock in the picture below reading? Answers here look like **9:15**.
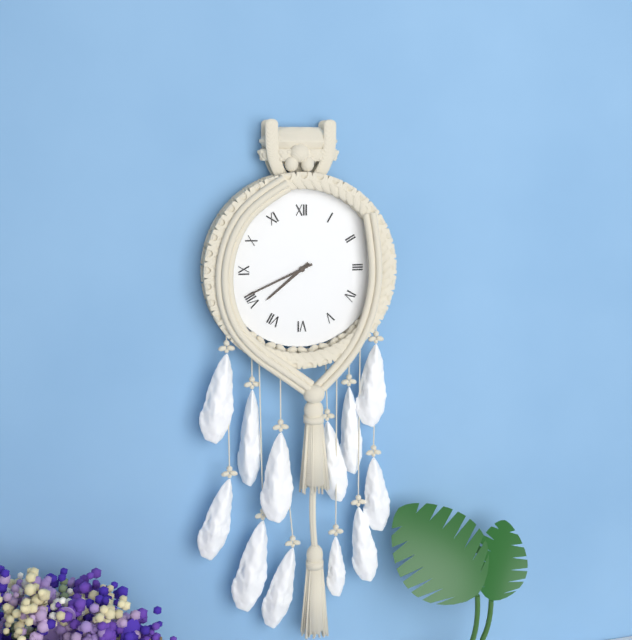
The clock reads **7:41**
